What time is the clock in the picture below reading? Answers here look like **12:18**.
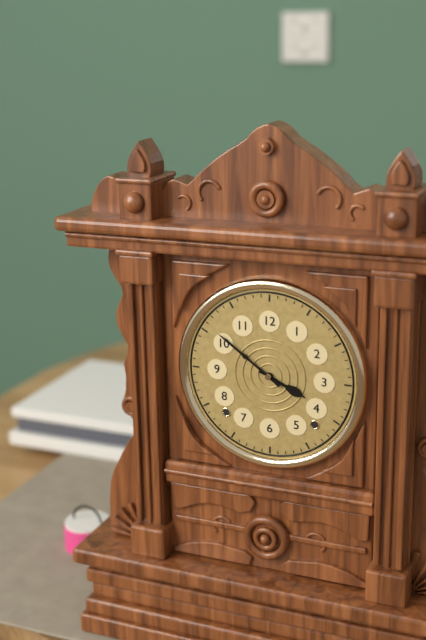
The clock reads **3:51**
